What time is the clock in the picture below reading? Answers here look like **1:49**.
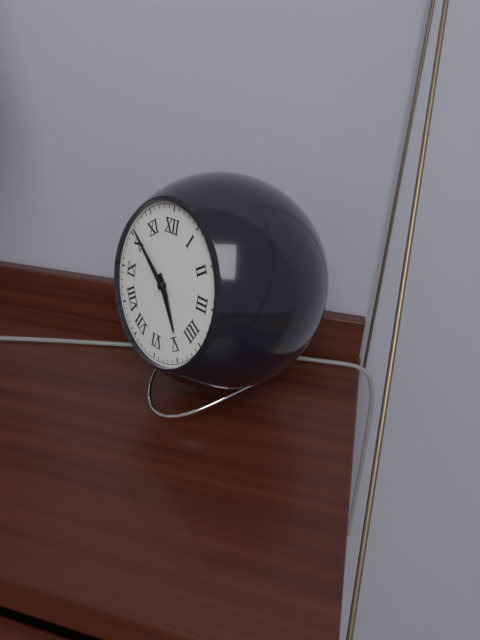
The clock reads **4:51**
